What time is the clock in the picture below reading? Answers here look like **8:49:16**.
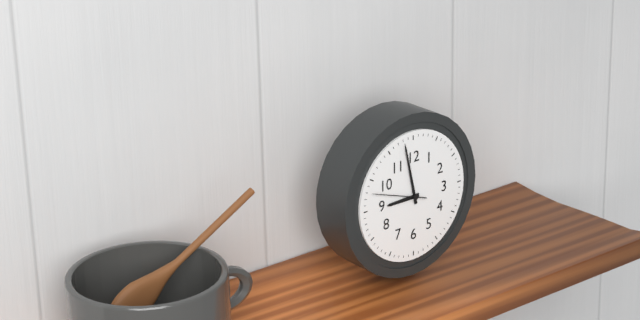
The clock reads **8:58:48**
